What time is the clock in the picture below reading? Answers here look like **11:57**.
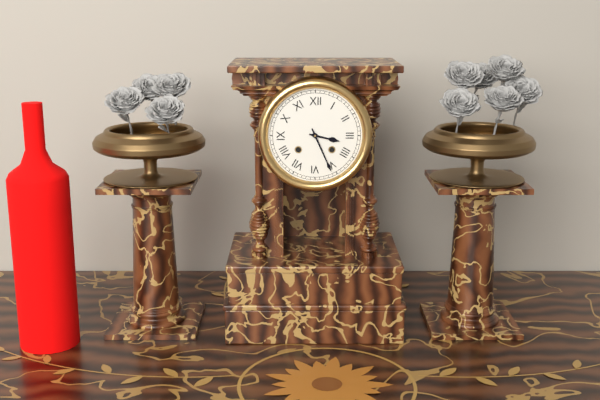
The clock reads **3:26**
